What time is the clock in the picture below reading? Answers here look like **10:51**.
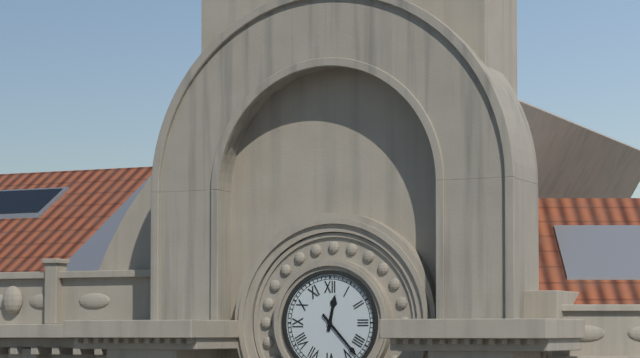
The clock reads **12:23**
